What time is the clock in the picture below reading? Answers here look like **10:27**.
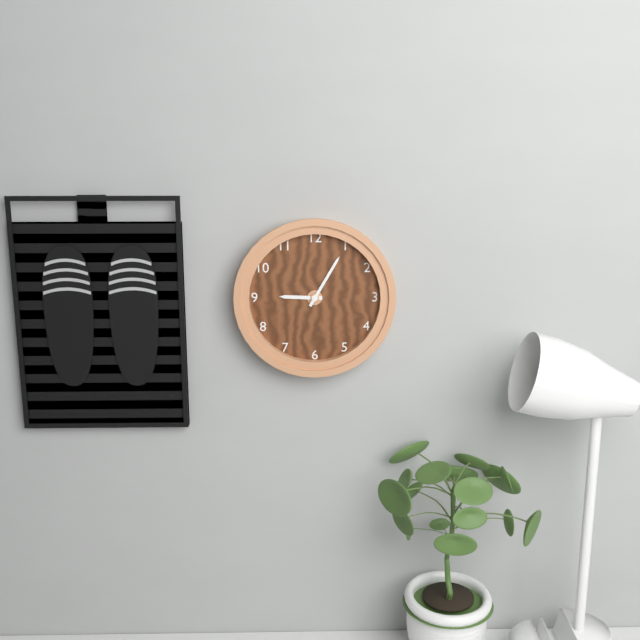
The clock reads **9:05**
